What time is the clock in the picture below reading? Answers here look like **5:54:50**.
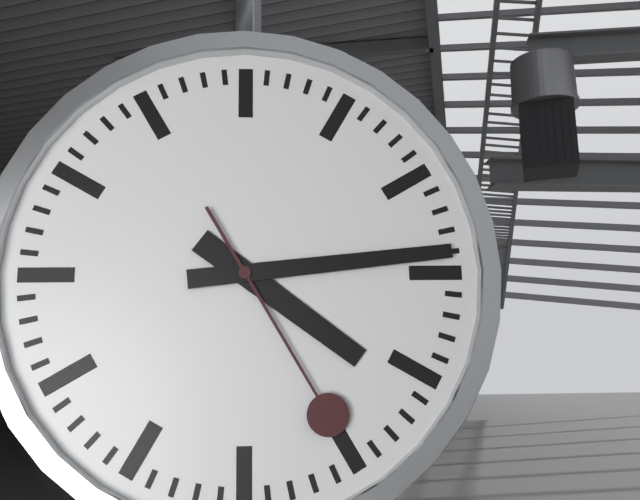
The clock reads **4:14:25**
